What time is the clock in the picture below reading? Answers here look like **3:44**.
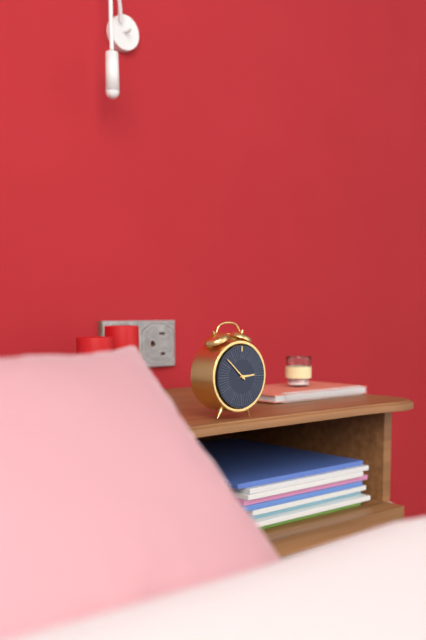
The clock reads **2:52**
